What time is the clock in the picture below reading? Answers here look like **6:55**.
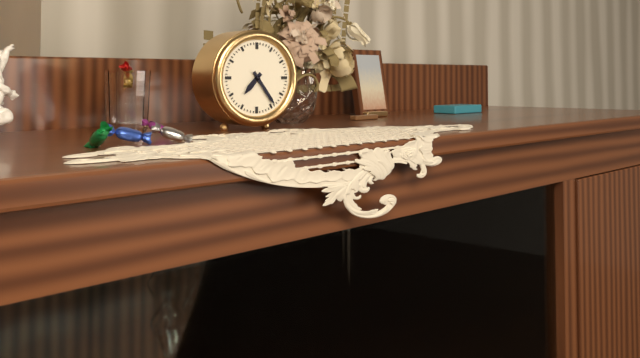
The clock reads **7:24**
